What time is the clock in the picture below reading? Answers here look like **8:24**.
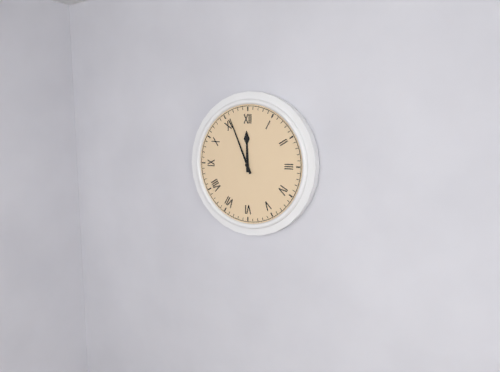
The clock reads **11:56**
